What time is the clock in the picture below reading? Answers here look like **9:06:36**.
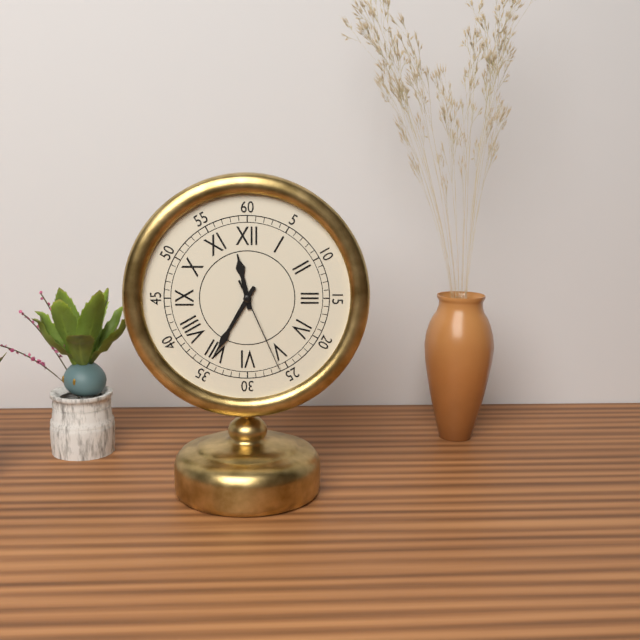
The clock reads **11:35:26**
